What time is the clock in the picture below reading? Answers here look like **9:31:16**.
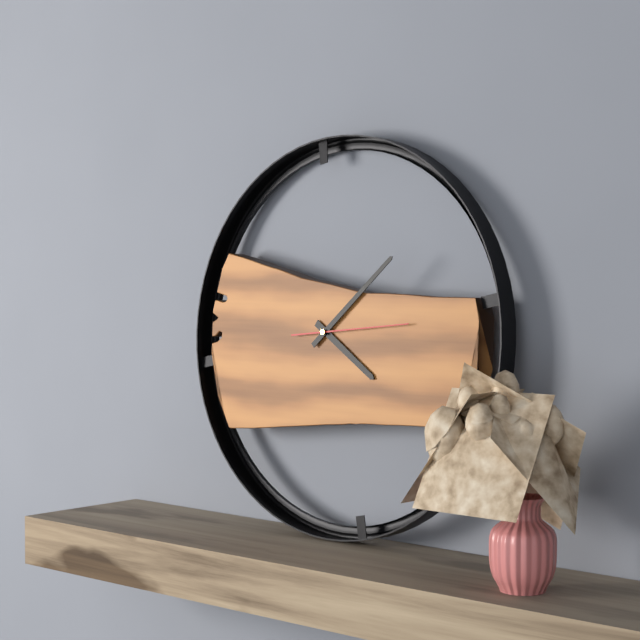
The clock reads **4:08:14**
